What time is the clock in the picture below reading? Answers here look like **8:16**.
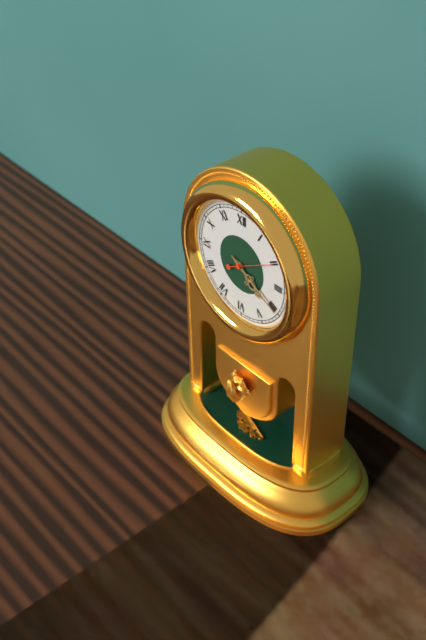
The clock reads **4:20**
